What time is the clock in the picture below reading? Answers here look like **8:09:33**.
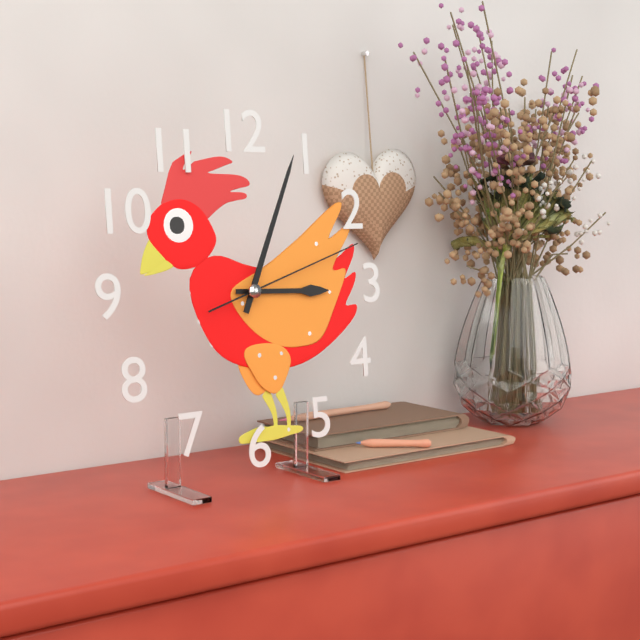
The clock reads **3:04:12**
